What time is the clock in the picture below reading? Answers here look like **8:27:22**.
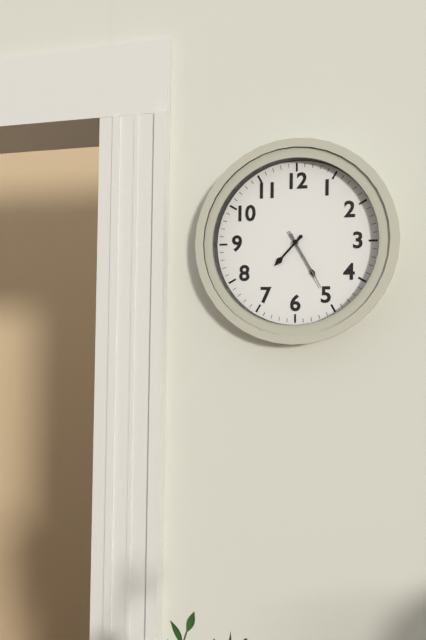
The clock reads **7:25:25**
